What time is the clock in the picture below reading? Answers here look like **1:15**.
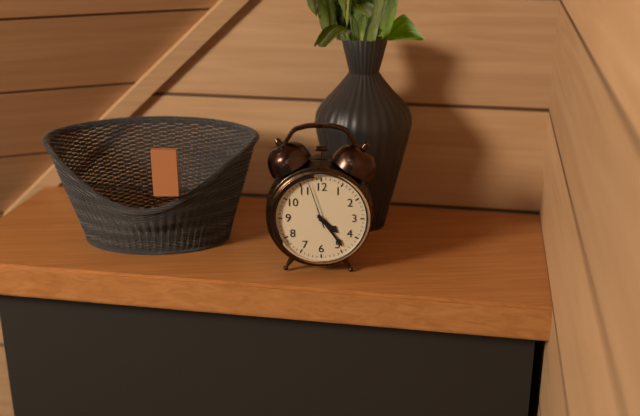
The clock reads **4:24**
